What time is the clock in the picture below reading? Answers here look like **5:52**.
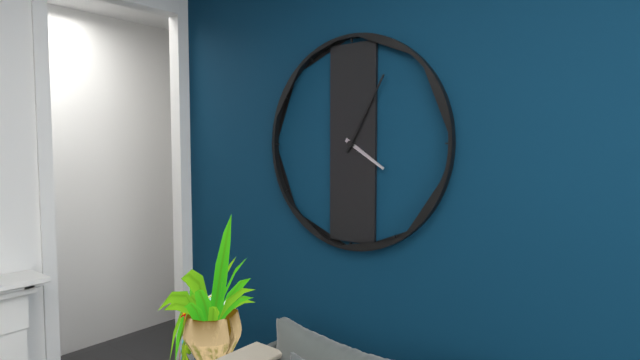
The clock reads **4:05**
